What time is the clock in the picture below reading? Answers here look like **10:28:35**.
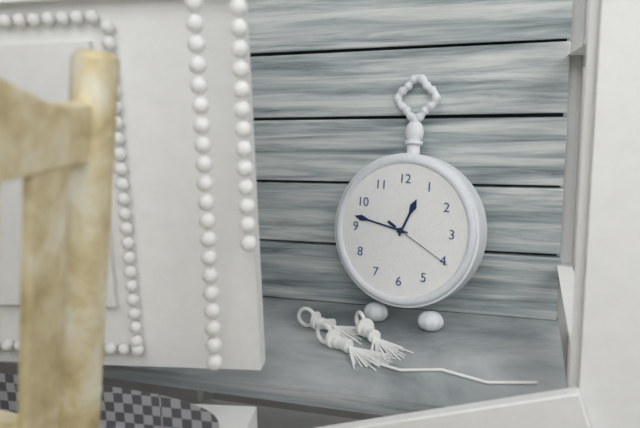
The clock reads **12:47:20**
